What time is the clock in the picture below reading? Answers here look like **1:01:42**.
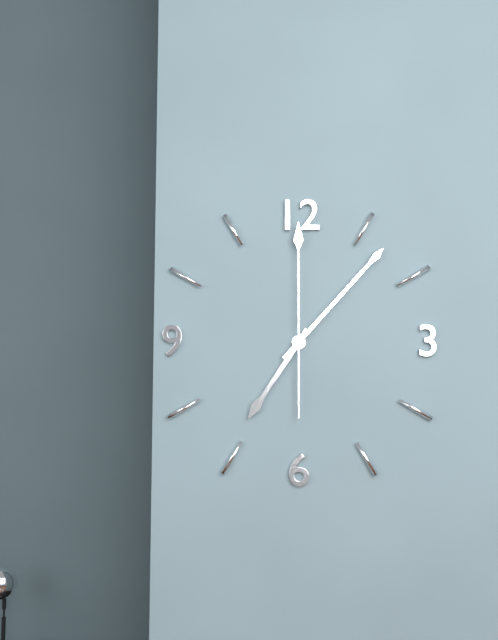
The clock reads **7:07:00**
